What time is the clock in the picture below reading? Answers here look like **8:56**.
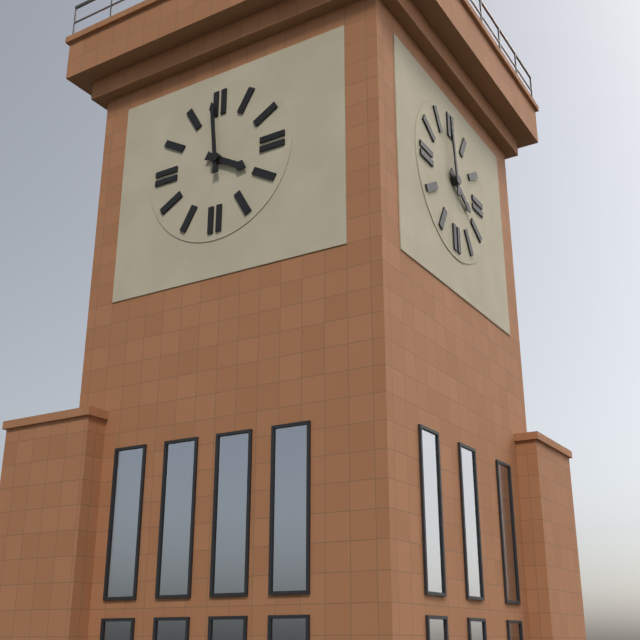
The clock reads **3:59**
